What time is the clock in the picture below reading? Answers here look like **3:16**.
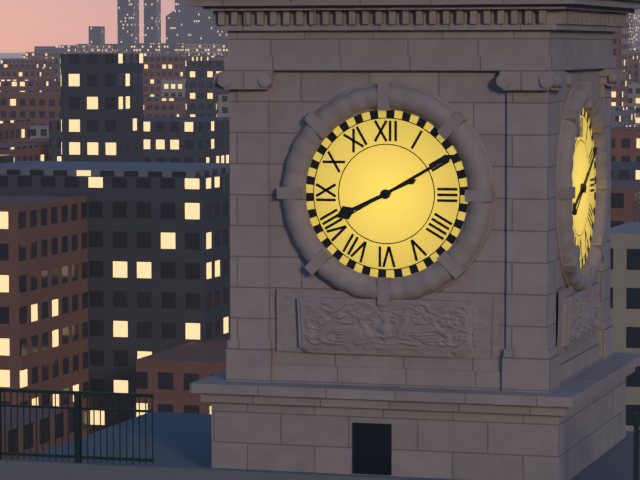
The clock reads **8:10**
